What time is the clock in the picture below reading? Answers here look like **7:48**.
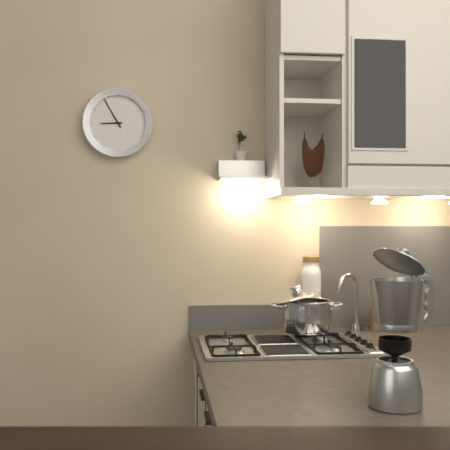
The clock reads **8:55**
